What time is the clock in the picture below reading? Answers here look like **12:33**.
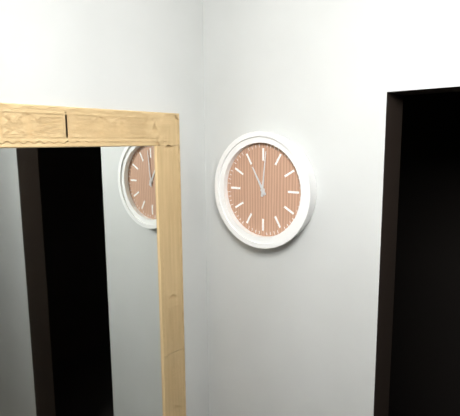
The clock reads **11:01**
